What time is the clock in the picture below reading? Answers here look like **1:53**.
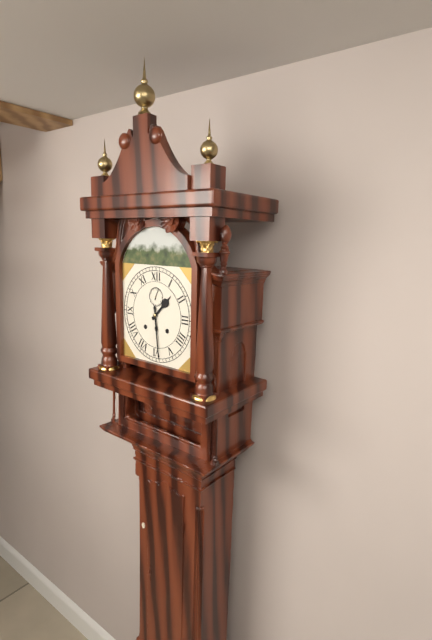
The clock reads **1:29**
